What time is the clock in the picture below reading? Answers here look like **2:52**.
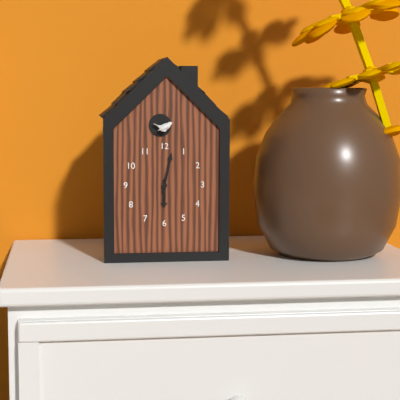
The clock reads **6:02**
